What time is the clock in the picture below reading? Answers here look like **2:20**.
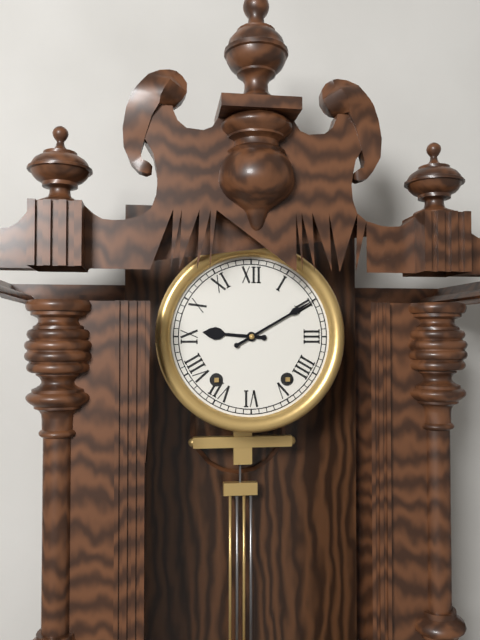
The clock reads **9:10**
